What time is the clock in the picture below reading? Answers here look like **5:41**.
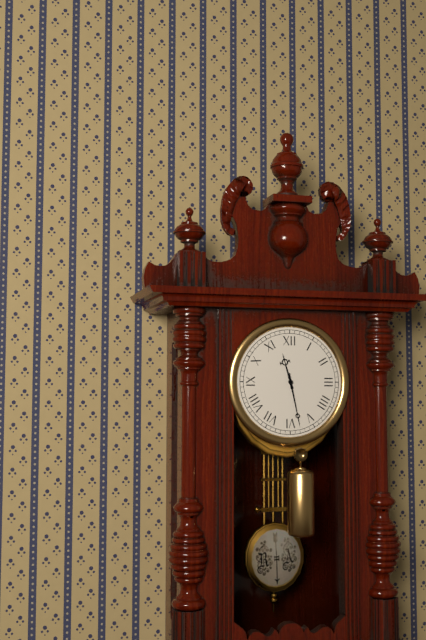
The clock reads **11:28**
